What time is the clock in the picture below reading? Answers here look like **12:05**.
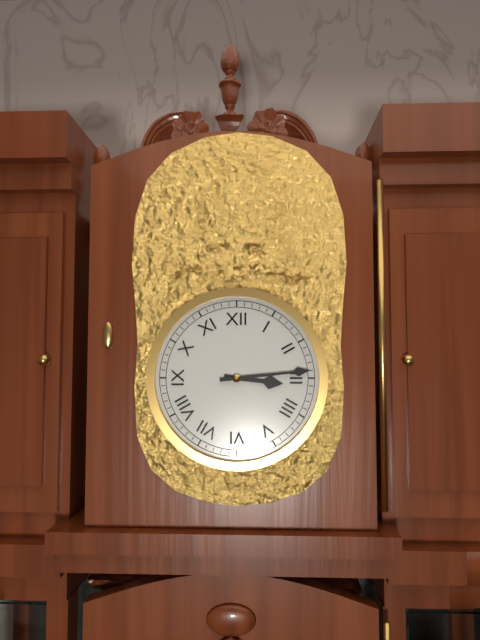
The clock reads **3:14**
